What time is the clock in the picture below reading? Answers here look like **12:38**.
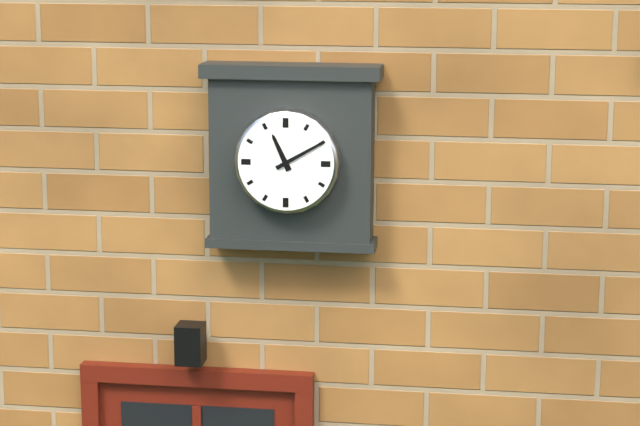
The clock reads **11:10**
